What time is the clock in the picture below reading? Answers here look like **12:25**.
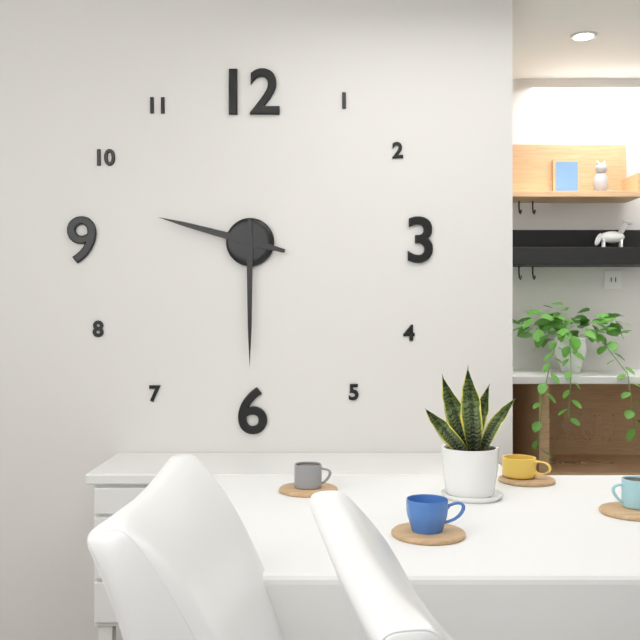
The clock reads **9:30**
